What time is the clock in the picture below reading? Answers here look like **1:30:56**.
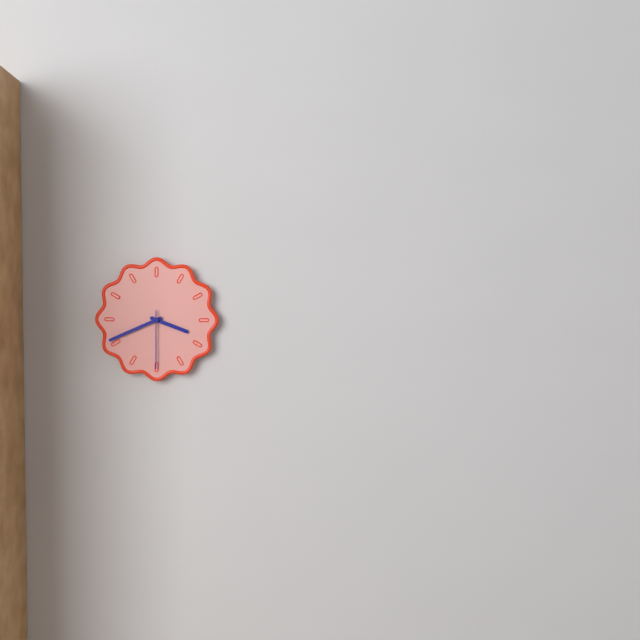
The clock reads **3:41:30**
